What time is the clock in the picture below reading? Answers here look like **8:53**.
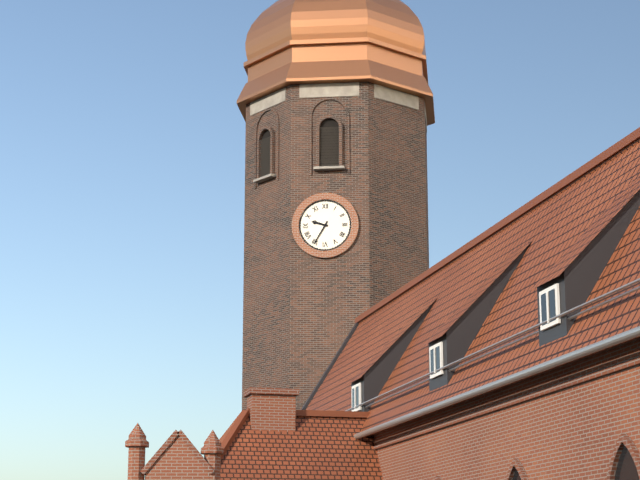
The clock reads **9:35**
